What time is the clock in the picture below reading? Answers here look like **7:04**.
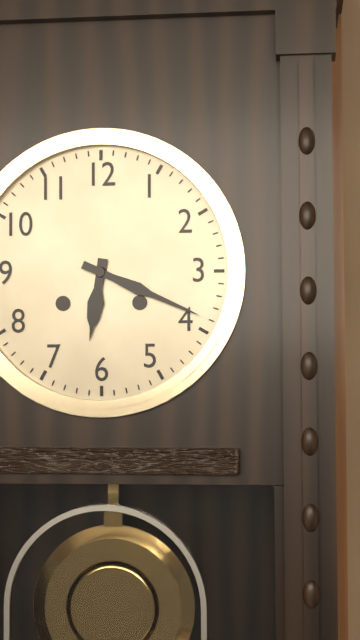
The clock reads **6:19**
